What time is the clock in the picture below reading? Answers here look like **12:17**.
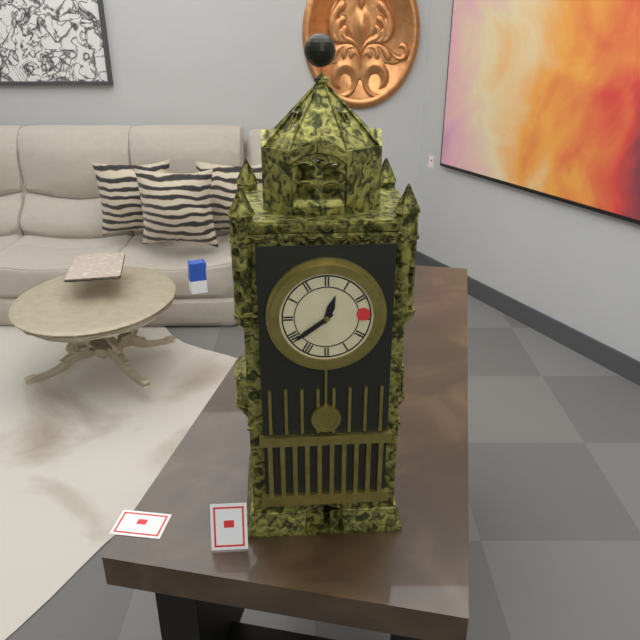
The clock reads **12:39**
